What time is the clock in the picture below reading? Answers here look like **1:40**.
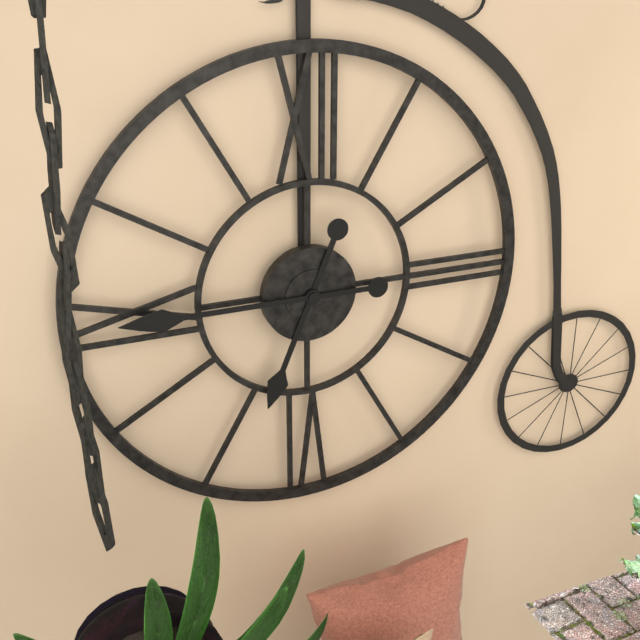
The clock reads **6:45**
